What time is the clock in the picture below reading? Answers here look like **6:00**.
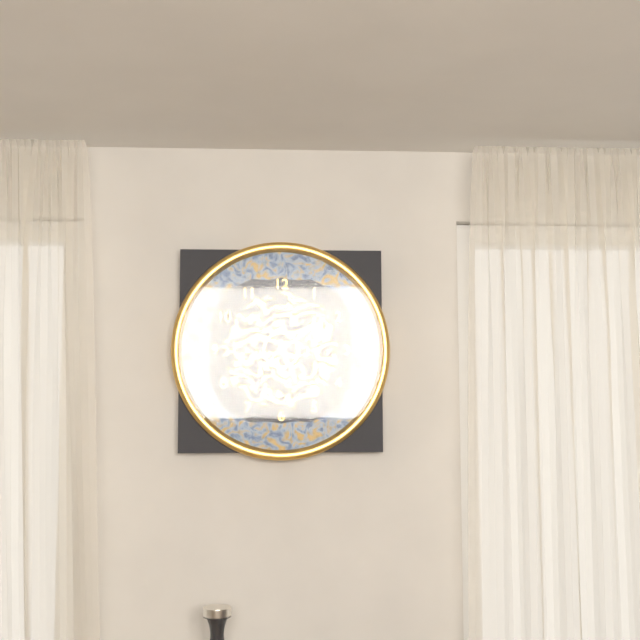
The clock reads **5:09**
